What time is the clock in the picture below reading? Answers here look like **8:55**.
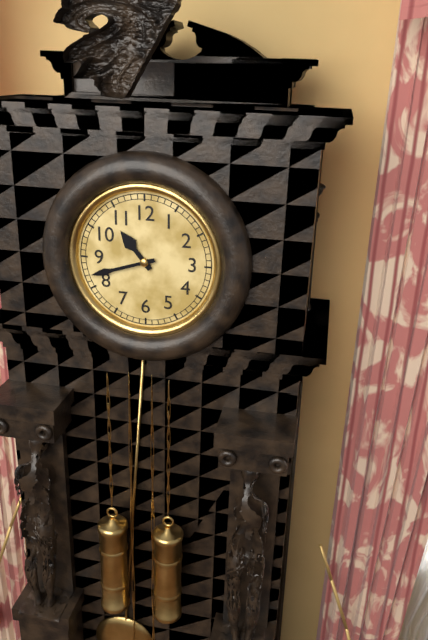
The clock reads **10:42**
